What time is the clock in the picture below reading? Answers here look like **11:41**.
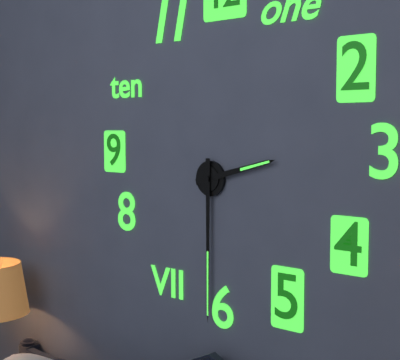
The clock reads **2:30**
